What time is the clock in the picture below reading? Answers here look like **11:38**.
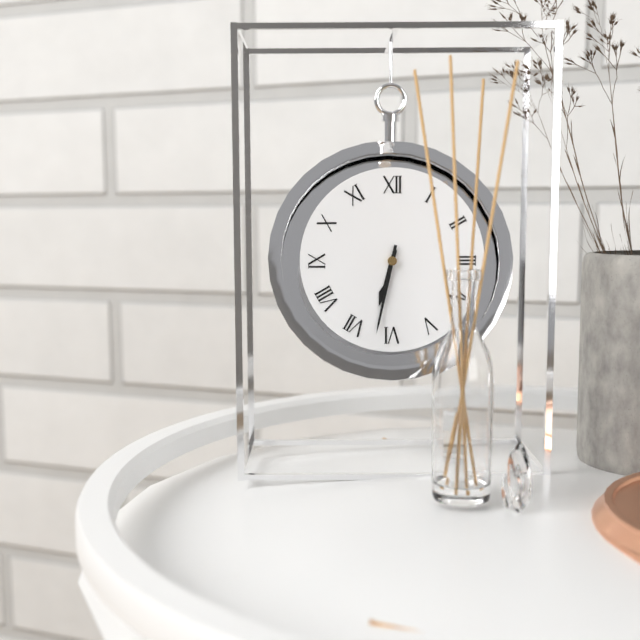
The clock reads **6:32**
